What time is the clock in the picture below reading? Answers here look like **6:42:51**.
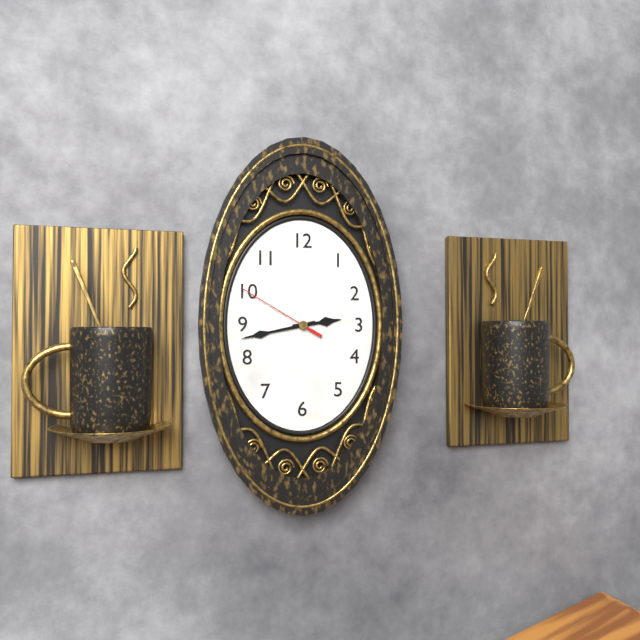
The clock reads **2:43:50**
